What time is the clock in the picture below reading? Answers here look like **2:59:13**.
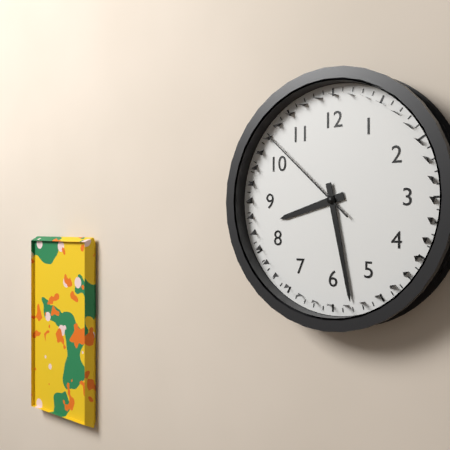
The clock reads **8:28:52**
